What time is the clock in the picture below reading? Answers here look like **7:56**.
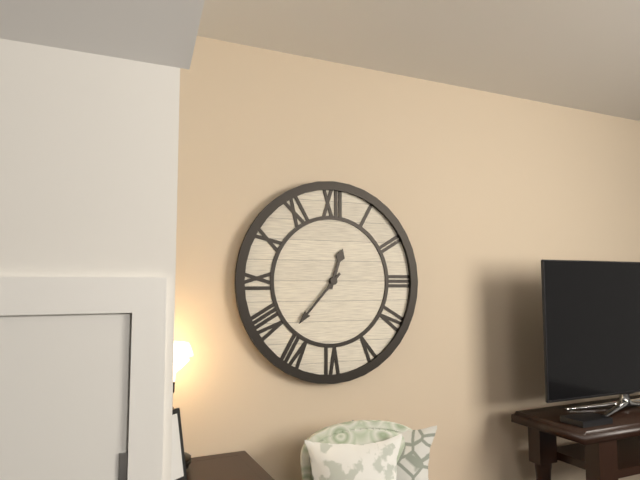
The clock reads **12:37**
